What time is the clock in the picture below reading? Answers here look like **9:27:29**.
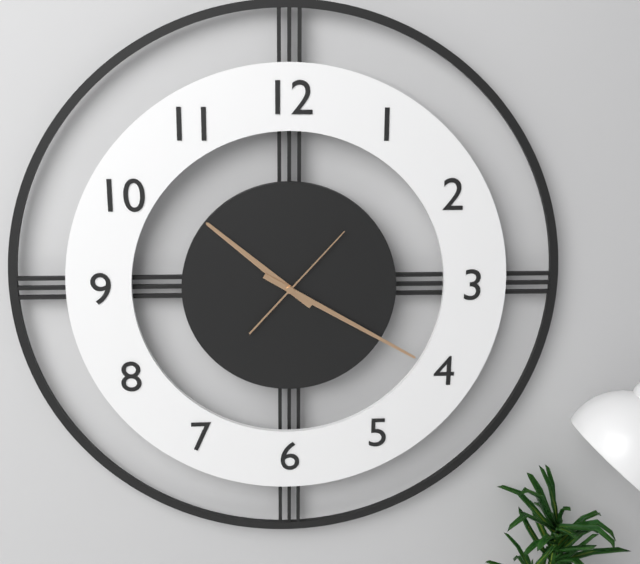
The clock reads **10:20:07**
